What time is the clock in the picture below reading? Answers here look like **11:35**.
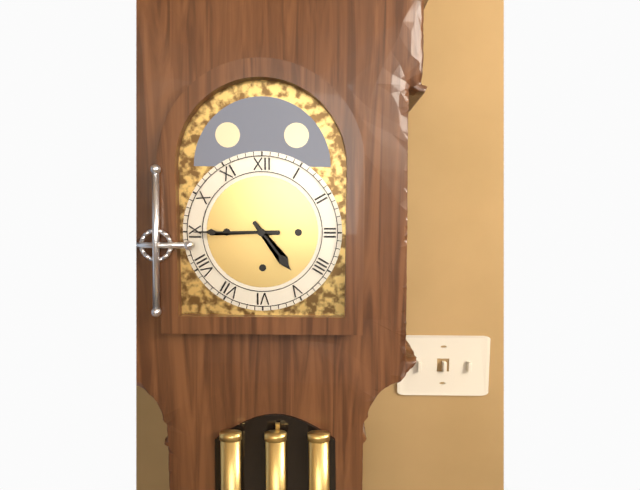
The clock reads **4:45**
